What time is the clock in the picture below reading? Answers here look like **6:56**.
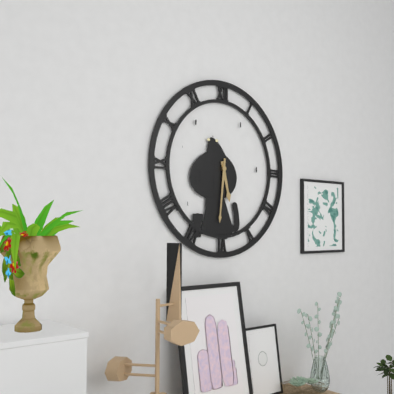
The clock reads **5:31**
